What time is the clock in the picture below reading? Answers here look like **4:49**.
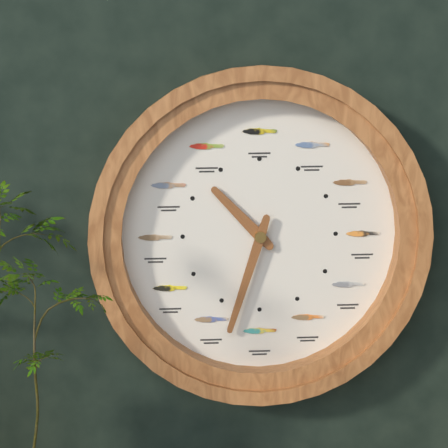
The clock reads **10:33**
